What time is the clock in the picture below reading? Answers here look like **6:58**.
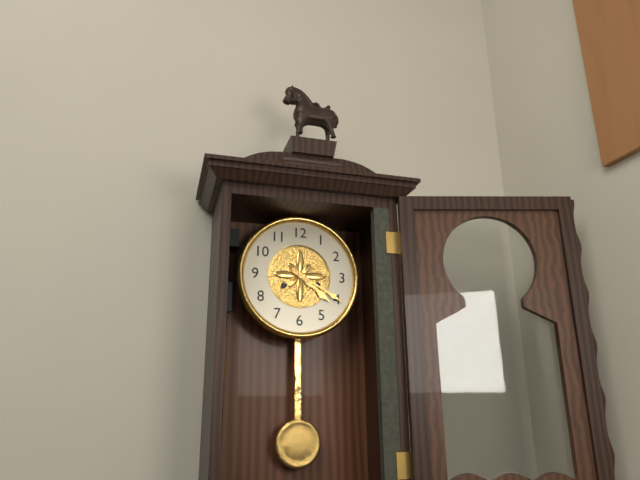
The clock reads **4:20**
